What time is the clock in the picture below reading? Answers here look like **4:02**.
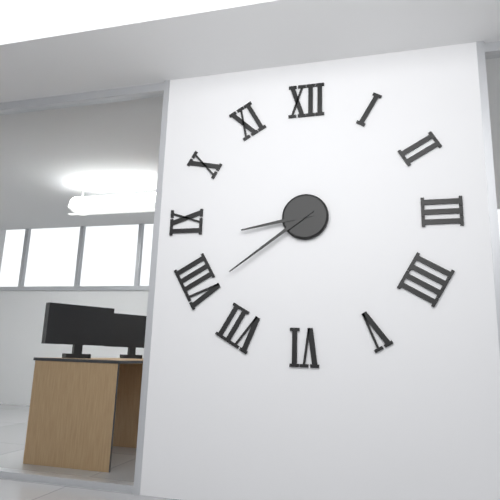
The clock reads **8:39**
